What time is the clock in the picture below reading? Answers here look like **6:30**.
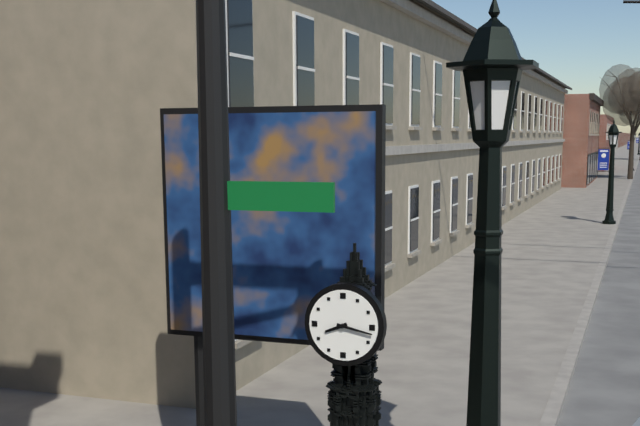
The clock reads **8:17**
